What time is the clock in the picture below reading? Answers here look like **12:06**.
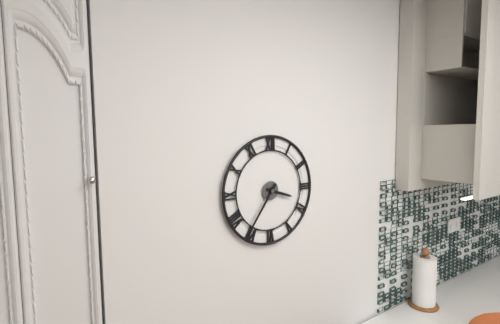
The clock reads **3:36**
